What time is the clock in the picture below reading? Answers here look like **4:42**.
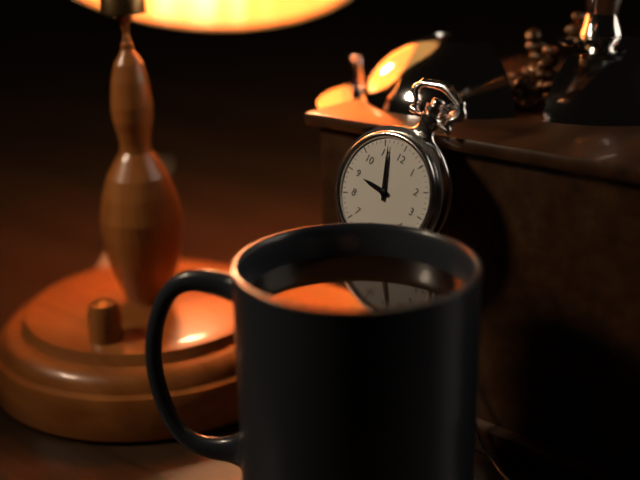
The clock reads **8:56**
